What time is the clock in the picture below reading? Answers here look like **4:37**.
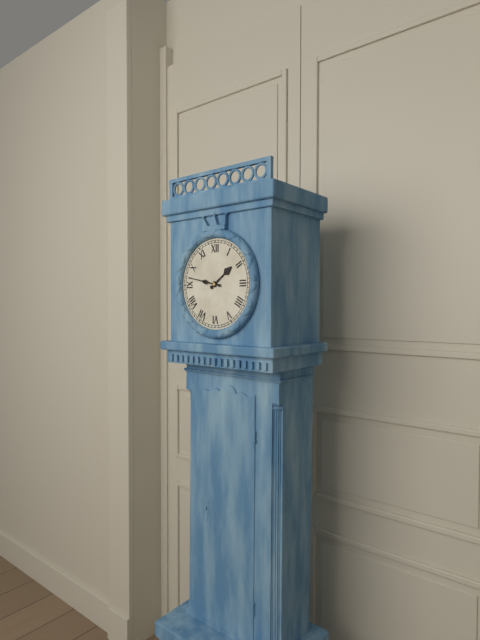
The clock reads **1:47**
